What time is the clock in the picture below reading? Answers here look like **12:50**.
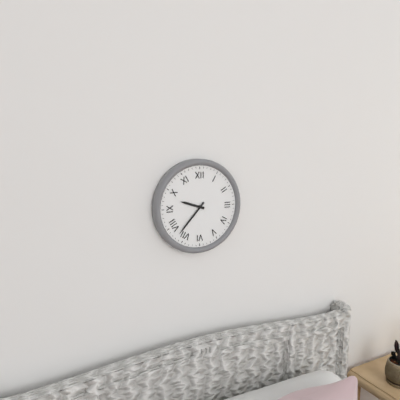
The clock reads **9:37**
